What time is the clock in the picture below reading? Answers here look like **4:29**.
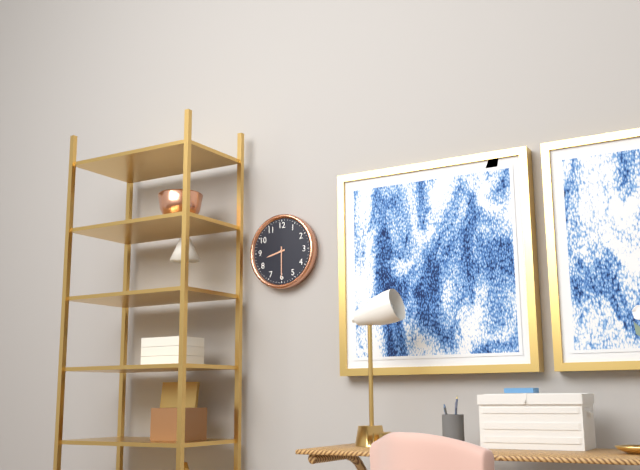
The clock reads **8:30**
